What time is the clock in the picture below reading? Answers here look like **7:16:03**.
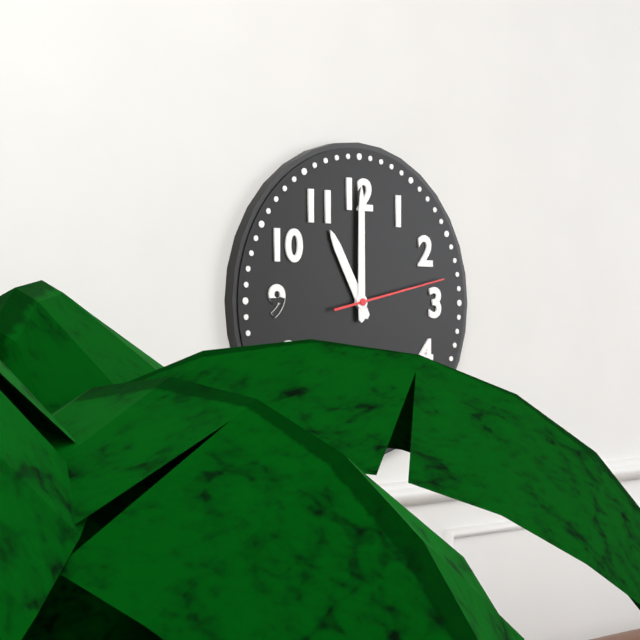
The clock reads **11:00:13**
